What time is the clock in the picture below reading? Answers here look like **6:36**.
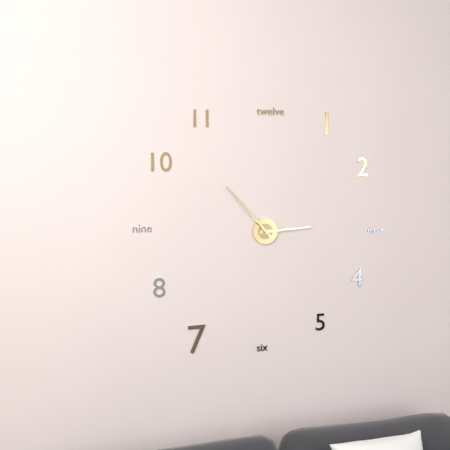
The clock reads **2:53**
